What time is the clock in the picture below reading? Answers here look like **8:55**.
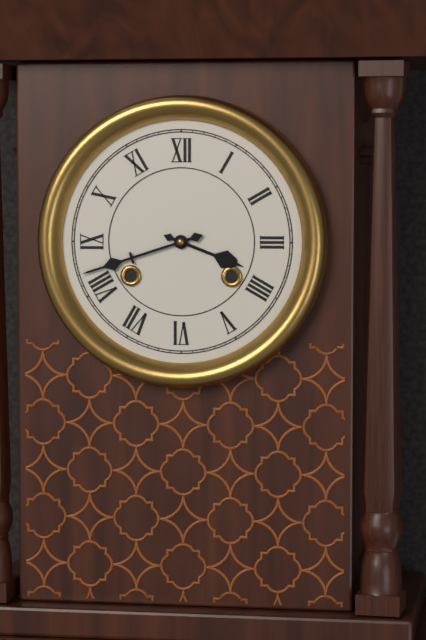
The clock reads **3:42**
